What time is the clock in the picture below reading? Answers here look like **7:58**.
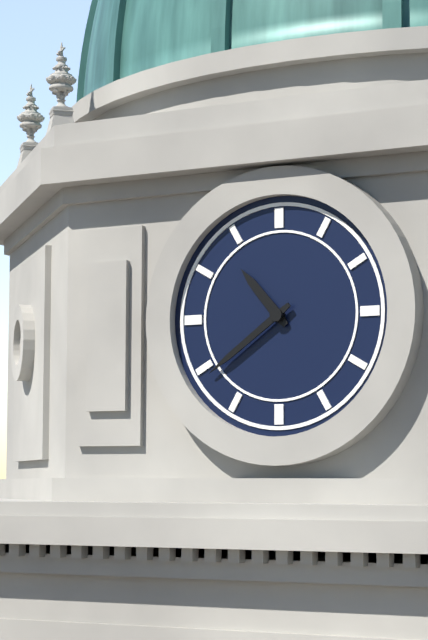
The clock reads **10:39**
